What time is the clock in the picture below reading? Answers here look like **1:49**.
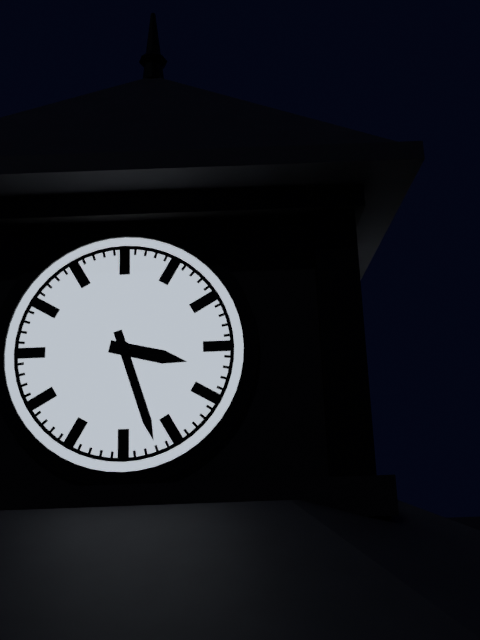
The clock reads **3:27**
